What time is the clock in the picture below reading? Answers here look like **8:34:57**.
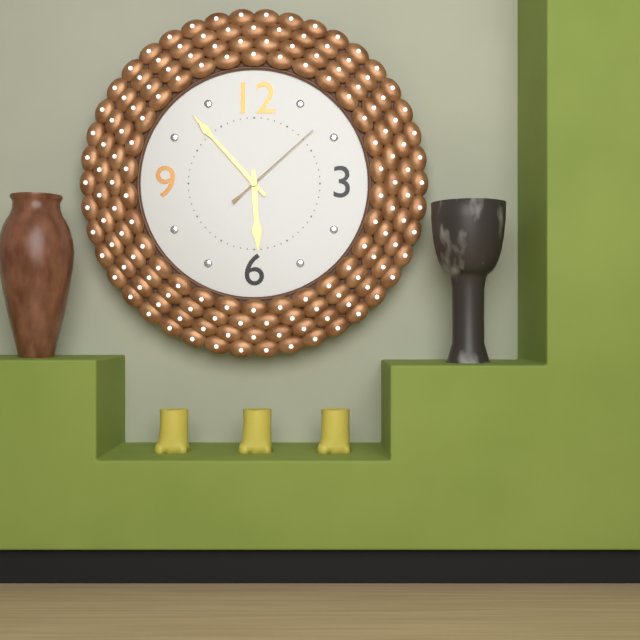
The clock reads **5:53:08**
